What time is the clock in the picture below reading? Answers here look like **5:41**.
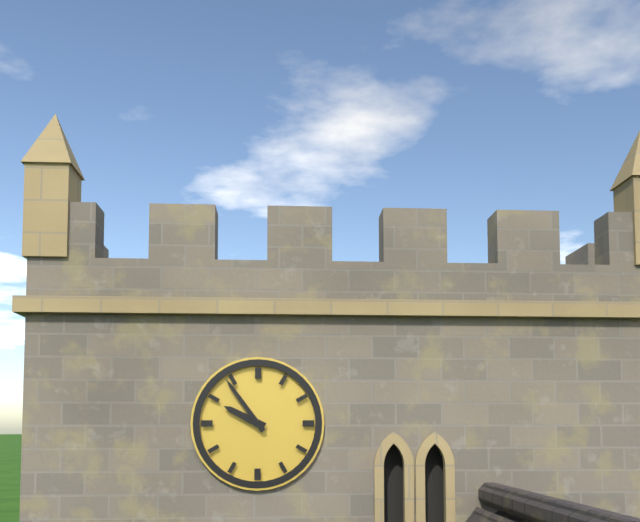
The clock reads **9:54**
